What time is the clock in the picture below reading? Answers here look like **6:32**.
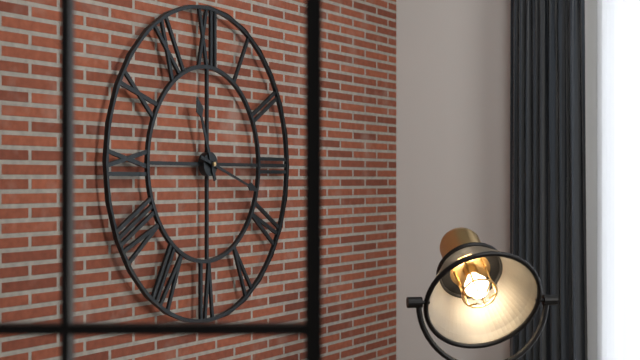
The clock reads **11:18**
